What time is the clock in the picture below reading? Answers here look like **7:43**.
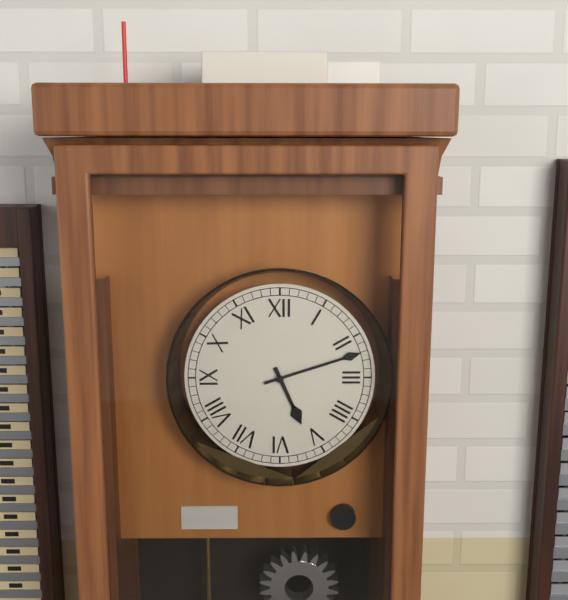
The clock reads **5:12**
